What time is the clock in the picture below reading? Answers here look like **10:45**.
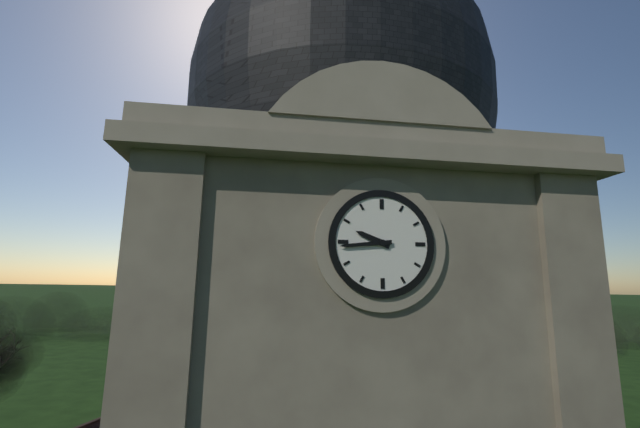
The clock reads **9:44**
